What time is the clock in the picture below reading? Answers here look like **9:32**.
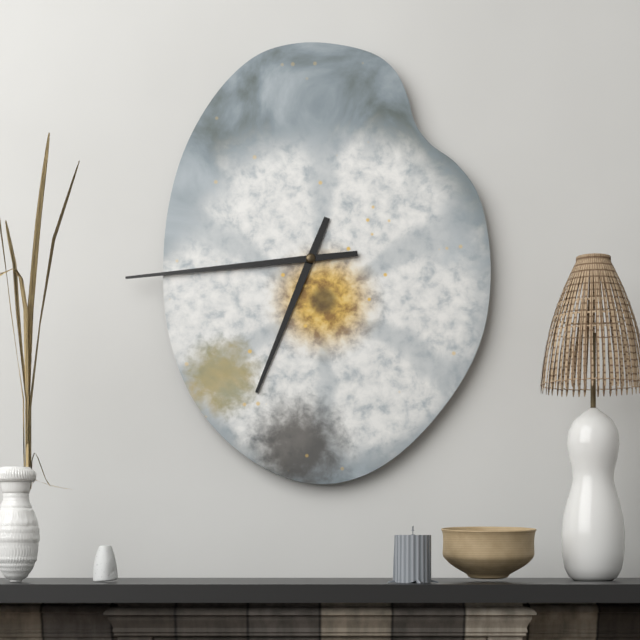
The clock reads **6:44**
